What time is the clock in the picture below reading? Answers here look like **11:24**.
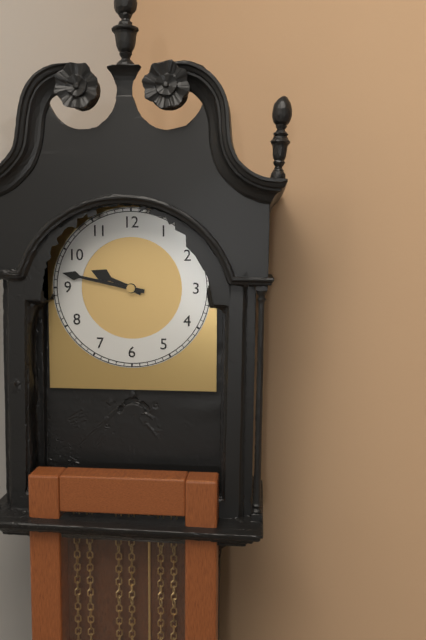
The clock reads **9:47**
